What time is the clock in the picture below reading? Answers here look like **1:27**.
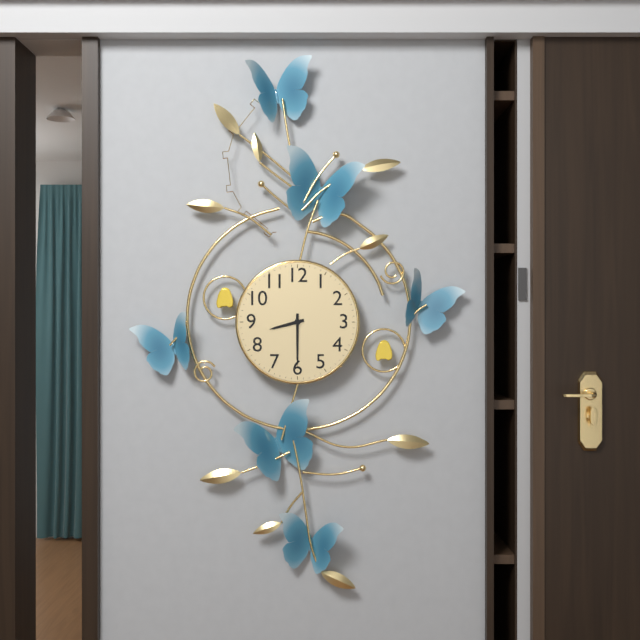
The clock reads **8:30**
